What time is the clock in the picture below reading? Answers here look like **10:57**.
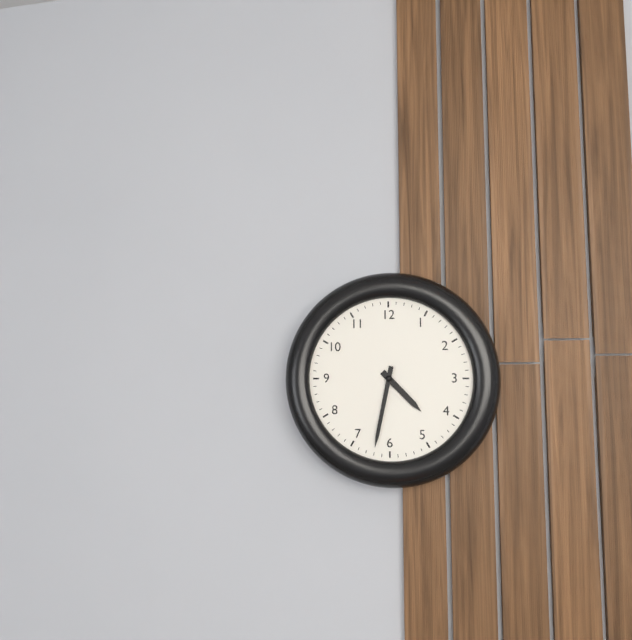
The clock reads **4:32**
